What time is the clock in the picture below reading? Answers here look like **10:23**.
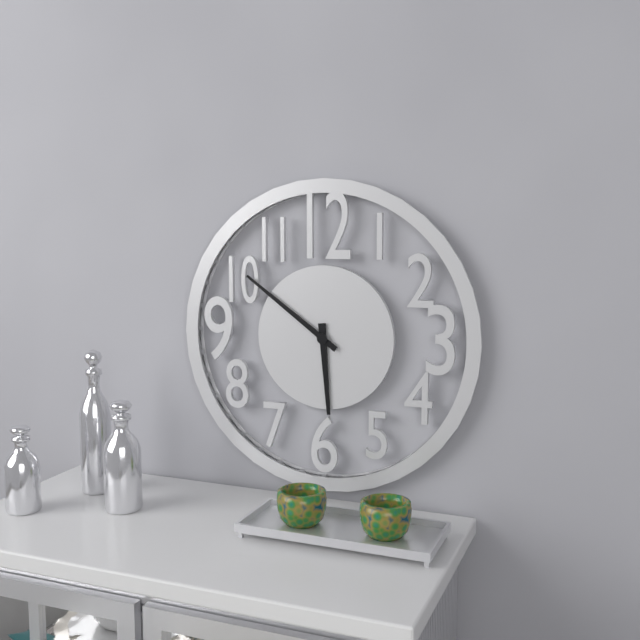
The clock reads **5:51**
